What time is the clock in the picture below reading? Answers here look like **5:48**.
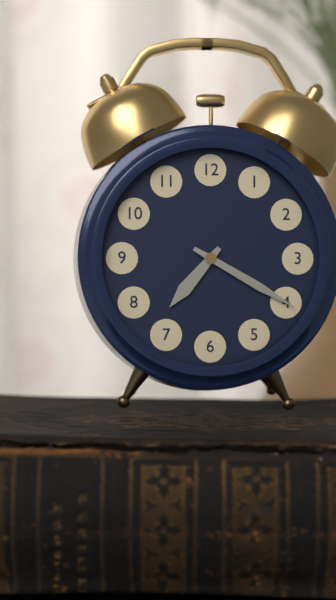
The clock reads **7:20**
